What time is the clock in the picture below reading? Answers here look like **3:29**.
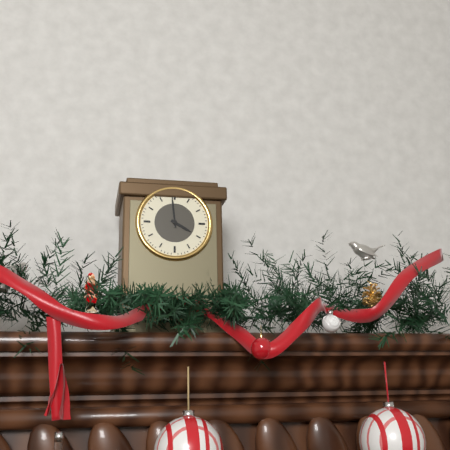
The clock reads **3:59**
